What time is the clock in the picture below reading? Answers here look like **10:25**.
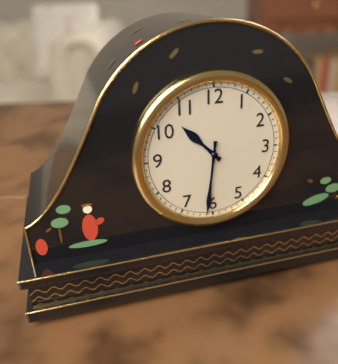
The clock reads **10:31**
